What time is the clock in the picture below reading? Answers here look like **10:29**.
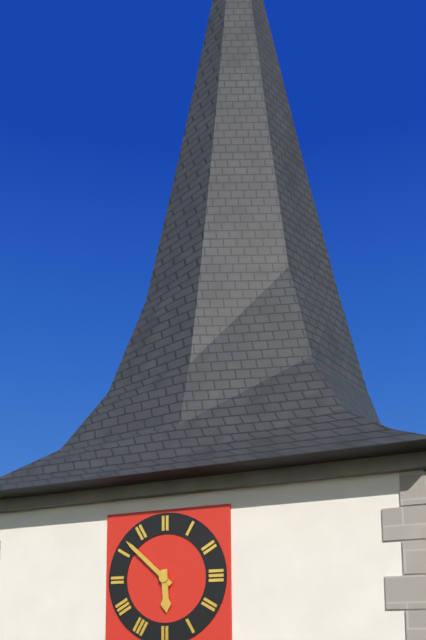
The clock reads **5:52**
